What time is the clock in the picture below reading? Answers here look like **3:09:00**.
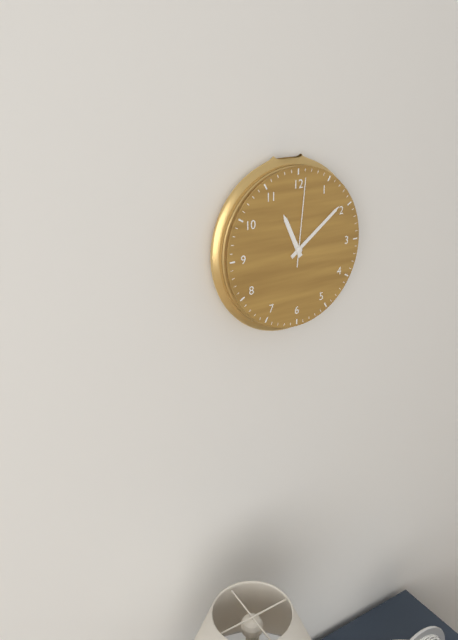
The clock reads **11:09:01**
